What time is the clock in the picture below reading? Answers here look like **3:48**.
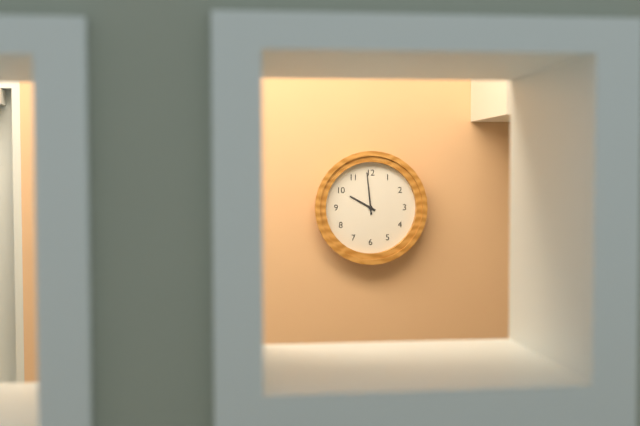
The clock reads **9:59**
